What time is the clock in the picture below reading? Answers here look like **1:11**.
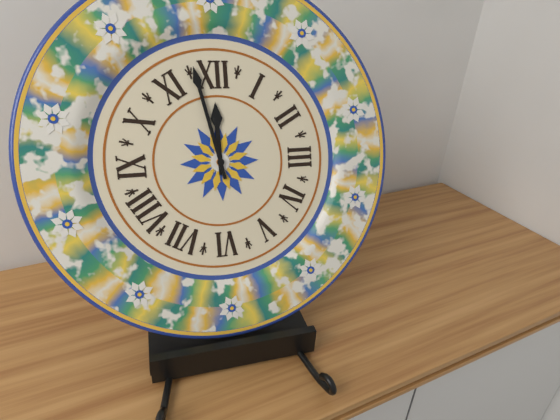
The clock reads **11:58**
